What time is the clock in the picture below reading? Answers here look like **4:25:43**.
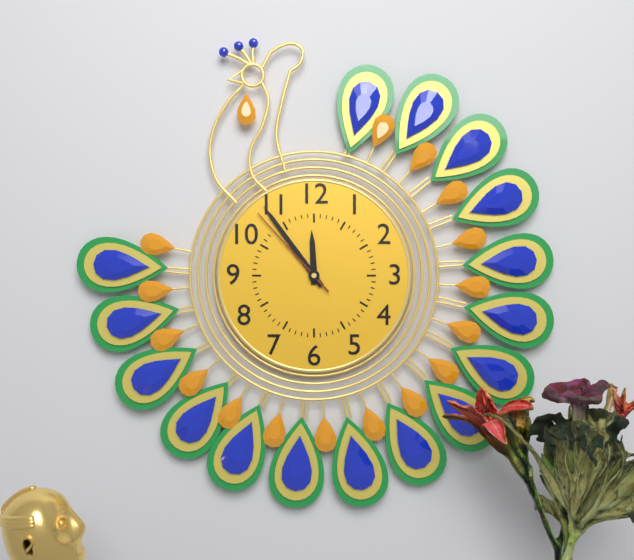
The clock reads **11:54:53**
